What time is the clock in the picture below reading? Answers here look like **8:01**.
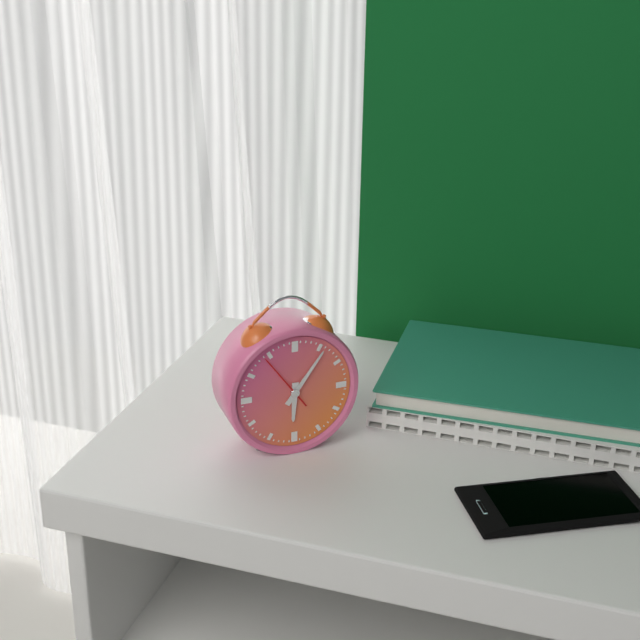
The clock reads **6:06**
